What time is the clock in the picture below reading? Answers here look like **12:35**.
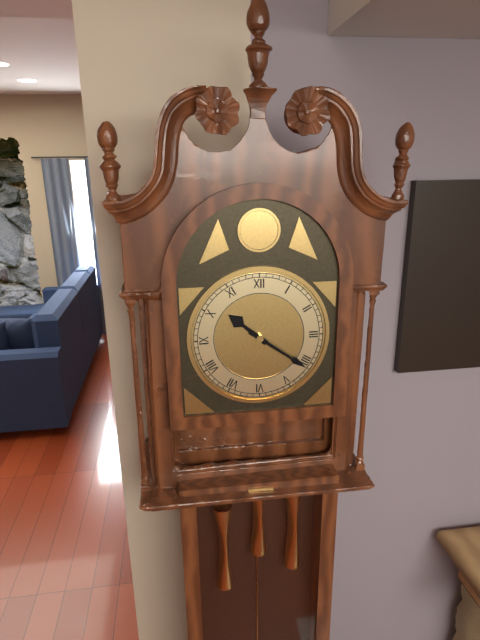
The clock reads **10:21**
